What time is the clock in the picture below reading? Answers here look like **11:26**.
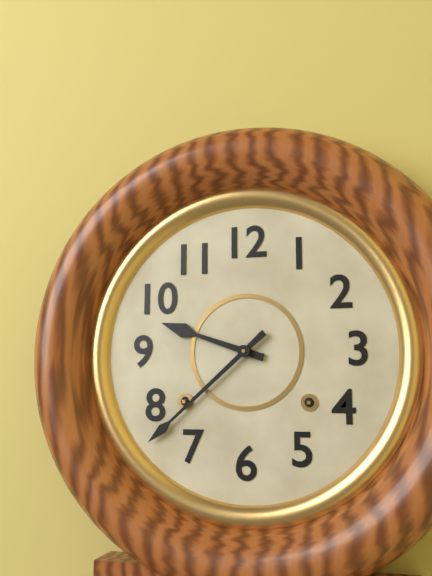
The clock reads **9:38**
